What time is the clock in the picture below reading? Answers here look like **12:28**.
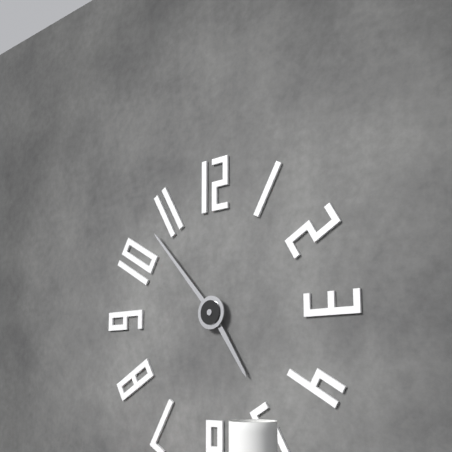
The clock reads **4:53**
